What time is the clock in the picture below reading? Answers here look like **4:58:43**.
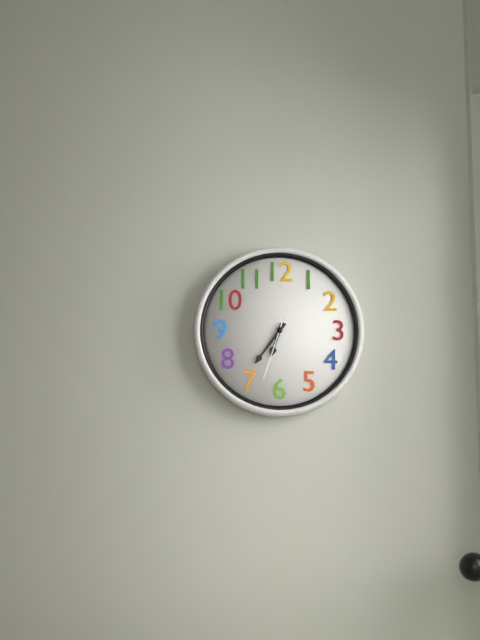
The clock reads **6:36:33**
